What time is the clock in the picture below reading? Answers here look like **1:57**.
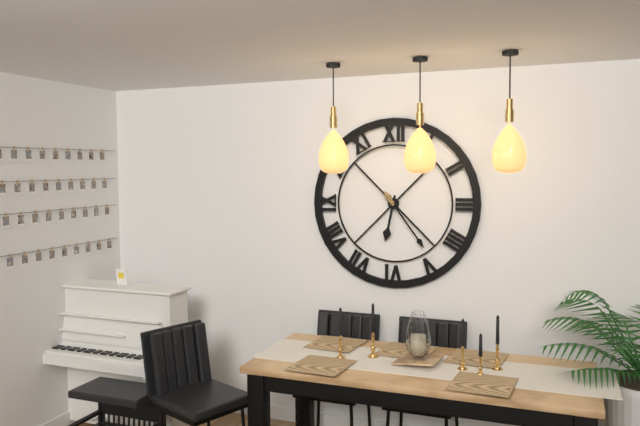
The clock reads **6:24**
